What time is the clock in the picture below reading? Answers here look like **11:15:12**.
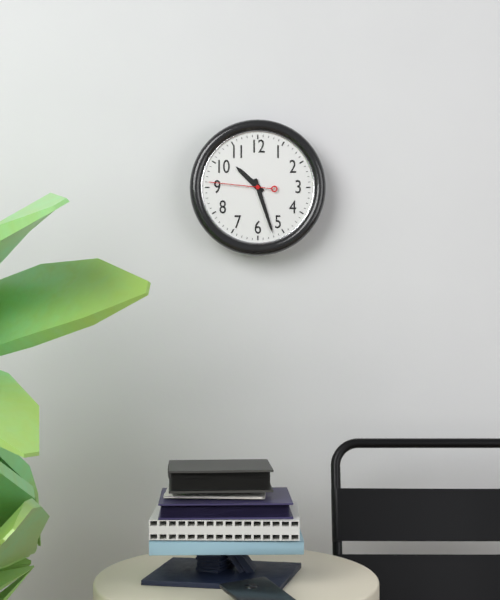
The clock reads **10:27:46**
